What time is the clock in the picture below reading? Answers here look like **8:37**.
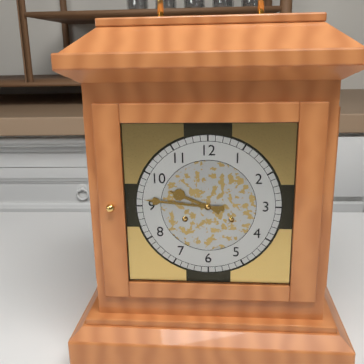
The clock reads **9:46**
